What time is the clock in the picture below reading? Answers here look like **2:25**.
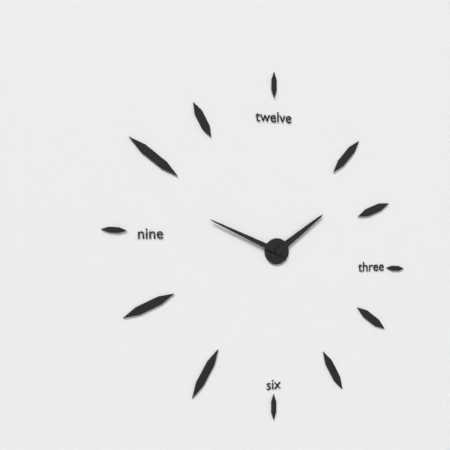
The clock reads **1:49**
